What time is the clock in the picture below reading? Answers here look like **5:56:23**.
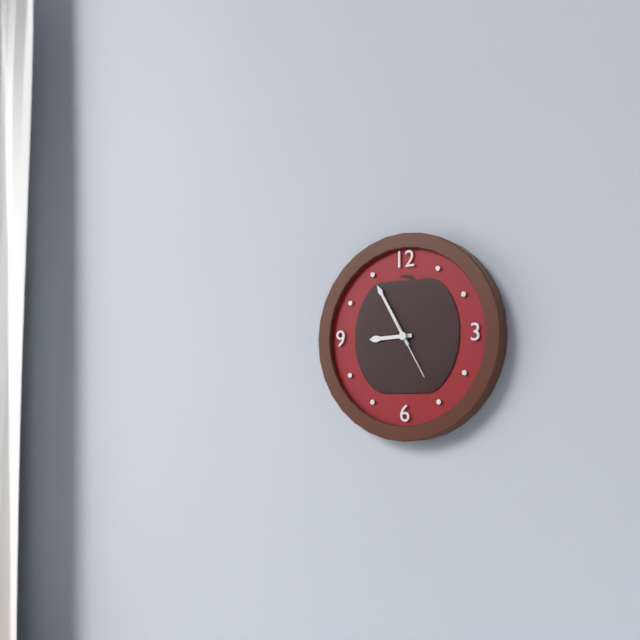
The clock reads **8:55:25**
